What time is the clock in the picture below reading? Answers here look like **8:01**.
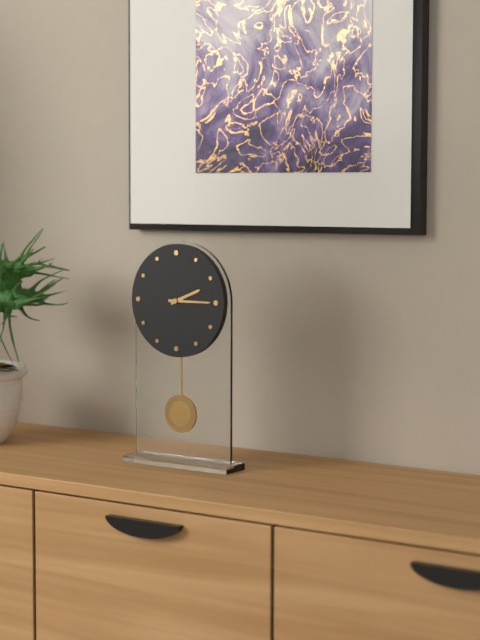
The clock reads **2:15**
